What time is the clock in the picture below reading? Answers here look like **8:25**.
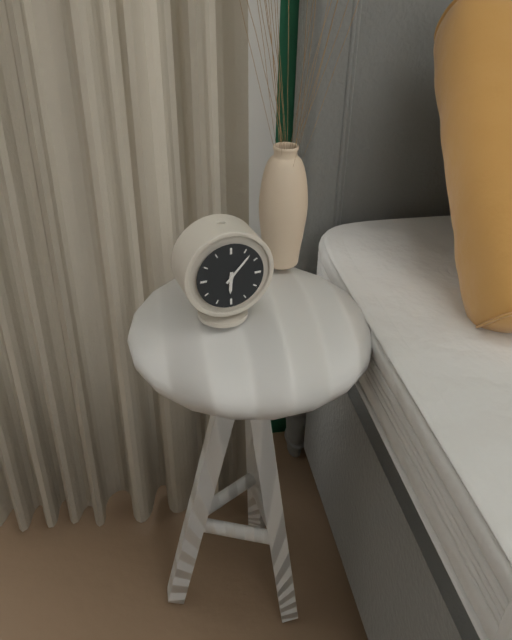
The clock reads **6:07**
